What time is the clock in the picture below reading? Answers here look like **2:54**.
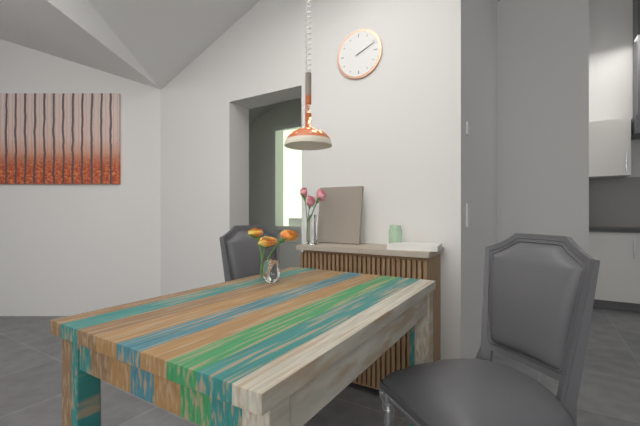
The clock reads **2:11**
